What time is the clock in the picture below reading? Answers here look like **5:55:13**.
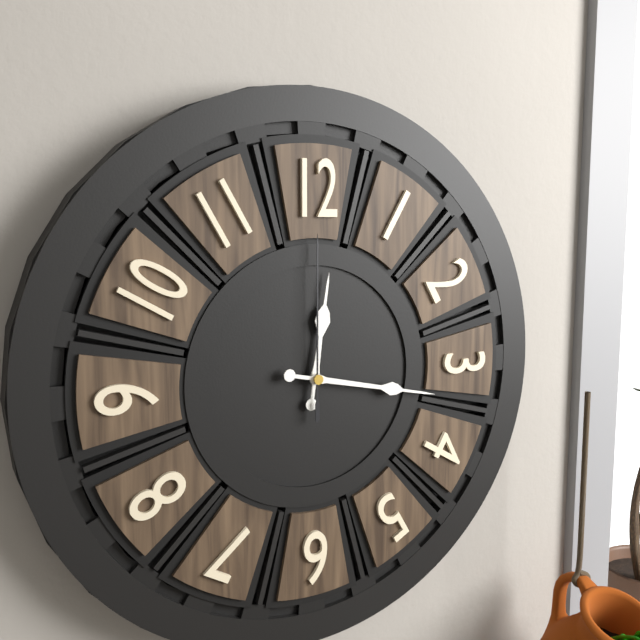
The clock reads **12:17:00**
